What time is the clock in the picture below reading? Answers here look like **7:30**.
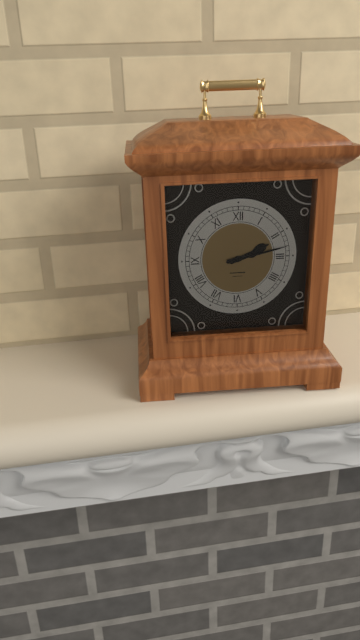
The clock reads **2:13**
